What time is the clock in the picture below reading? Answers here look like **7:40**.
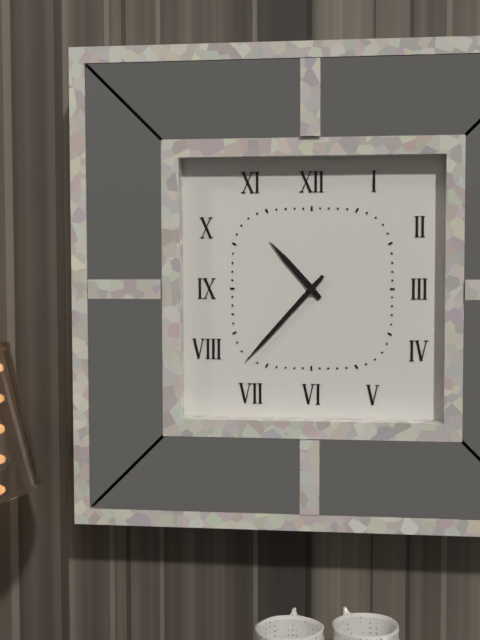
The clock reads **10:37**
